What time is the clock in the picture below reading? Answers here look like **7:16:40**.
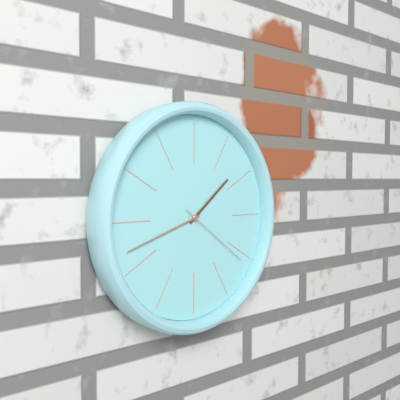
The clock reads **1:42:21**
